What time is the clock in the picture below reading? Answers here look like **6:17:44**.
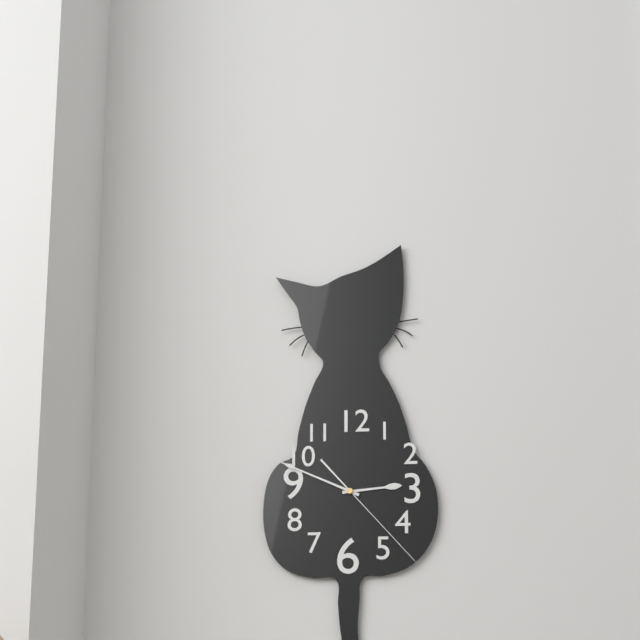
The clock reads **2:49:23**
